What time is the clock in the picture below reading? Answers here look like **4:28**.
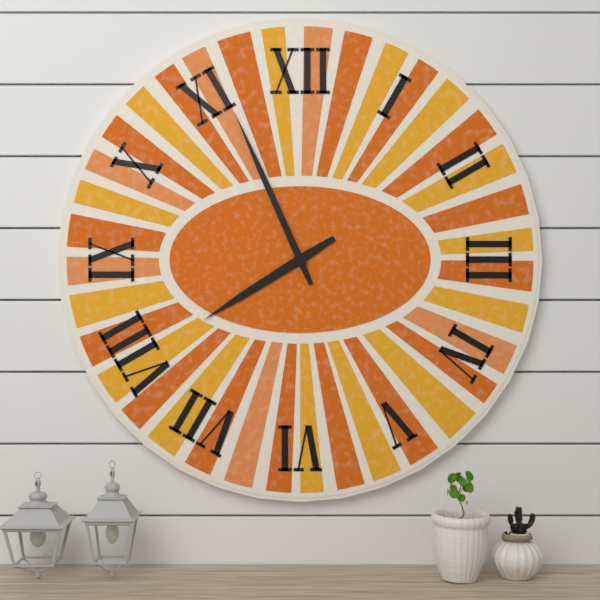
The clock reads **7:56**
